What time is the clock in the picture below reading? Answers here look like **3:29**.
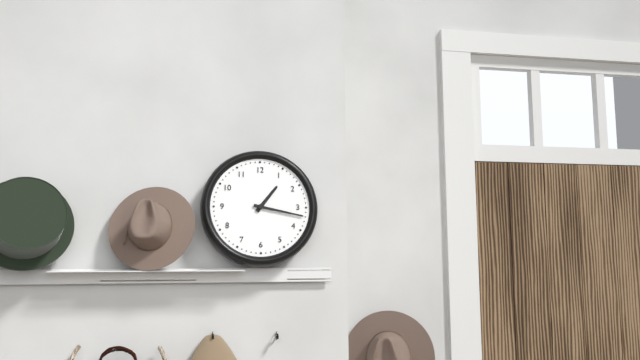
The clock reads **1:17**
